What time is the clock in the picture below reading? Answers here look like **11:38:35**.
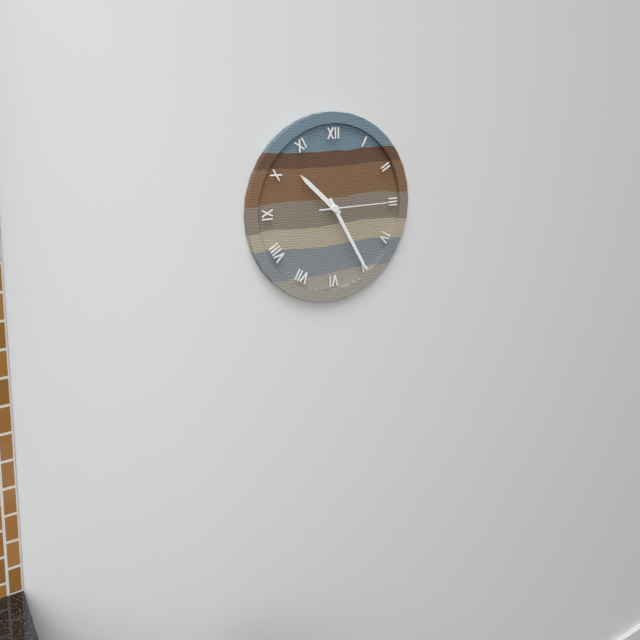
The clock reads **10:25:15**
